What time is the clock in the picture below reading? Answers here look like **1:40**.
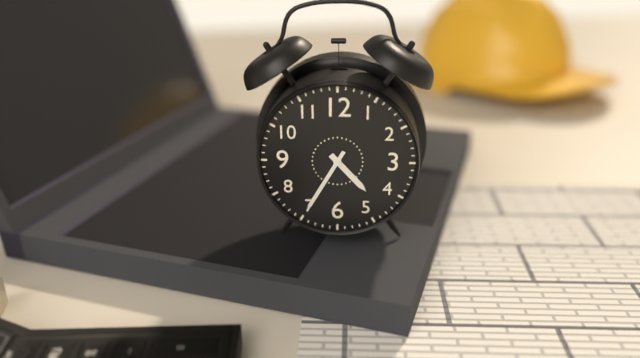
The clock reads **4:35**
